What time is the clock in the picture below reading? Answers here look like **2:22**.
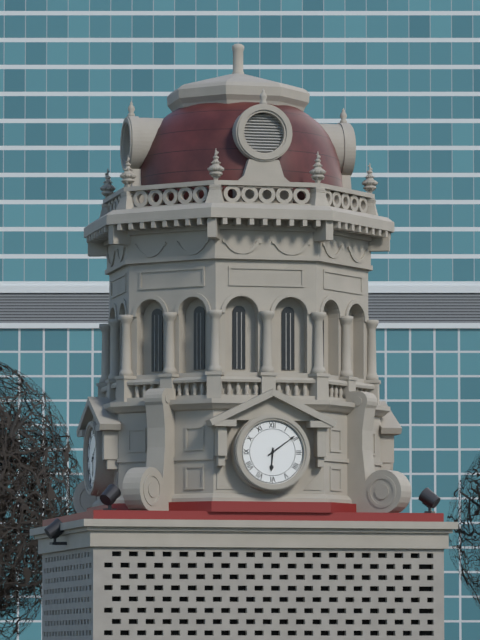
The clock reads **6:09**
